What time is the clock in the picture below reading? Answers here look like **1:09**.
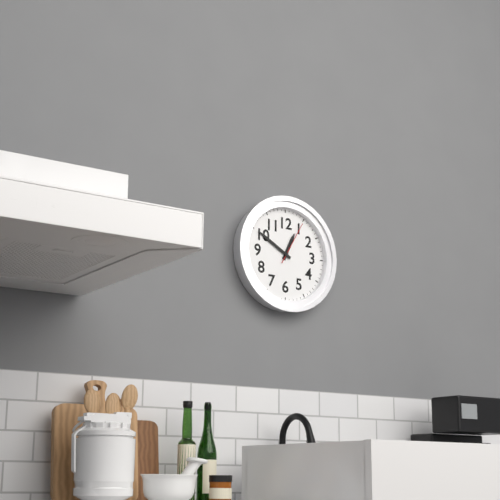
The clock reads **12:50**
